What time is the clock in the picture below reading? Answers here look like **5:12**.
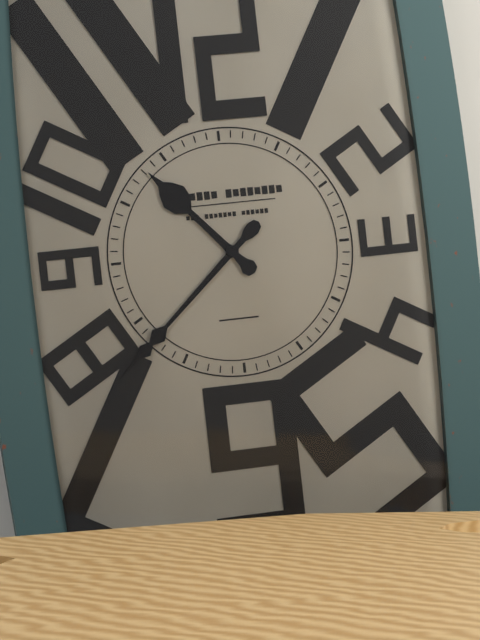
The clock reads **10:38**
